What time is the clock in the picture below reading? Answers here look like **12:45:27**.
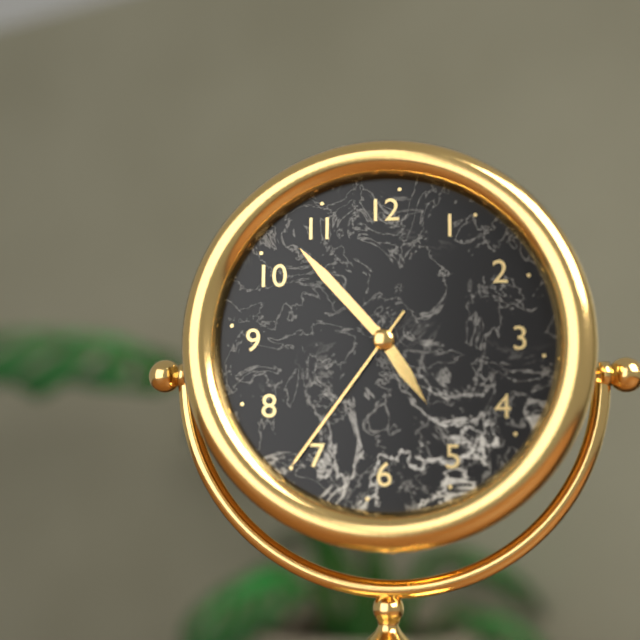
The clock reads **4:53:36**
